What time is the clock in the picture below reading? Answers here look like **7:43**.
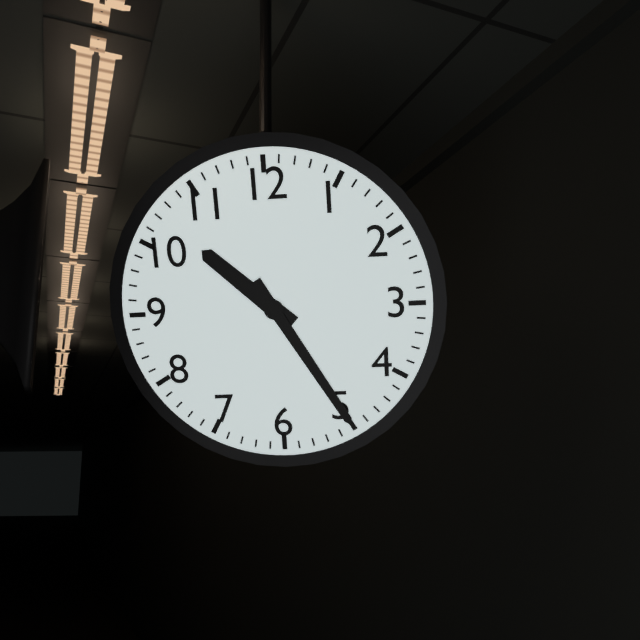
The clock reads **10:25**
